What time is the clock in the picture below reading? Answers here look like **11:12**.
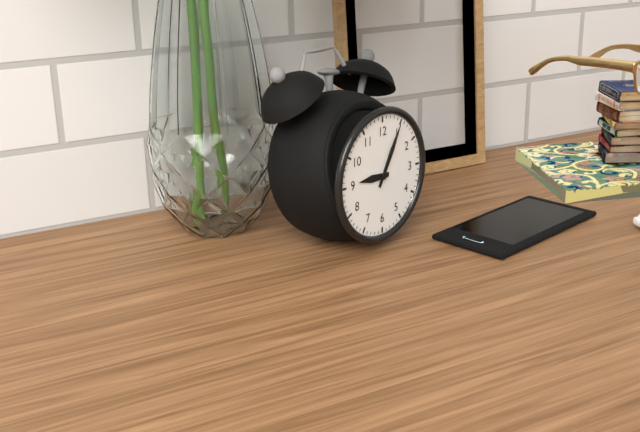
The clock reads **9:05**
